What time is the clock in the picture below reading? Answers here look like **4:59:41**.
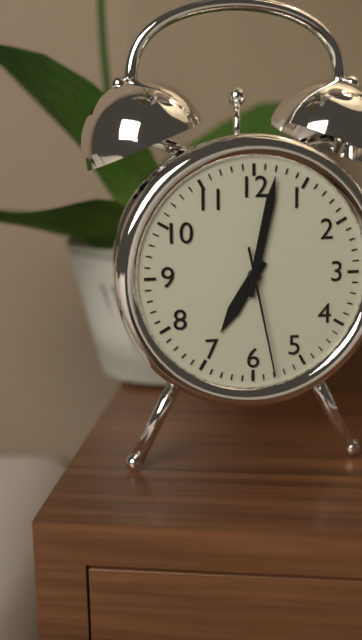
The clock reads **7:02:28**
